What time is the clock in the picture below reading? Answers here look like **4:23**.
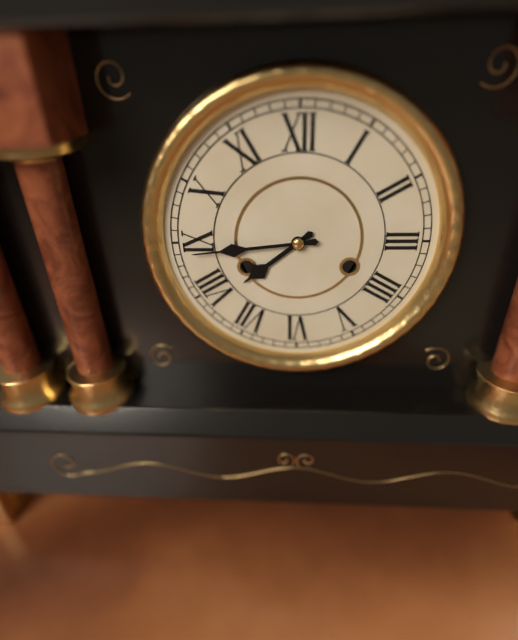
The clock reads **7:44**
